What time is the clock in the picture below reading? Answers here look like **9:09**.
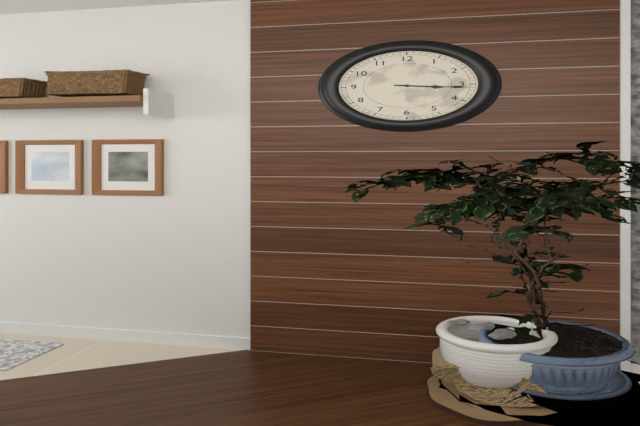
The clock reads **3:16**
